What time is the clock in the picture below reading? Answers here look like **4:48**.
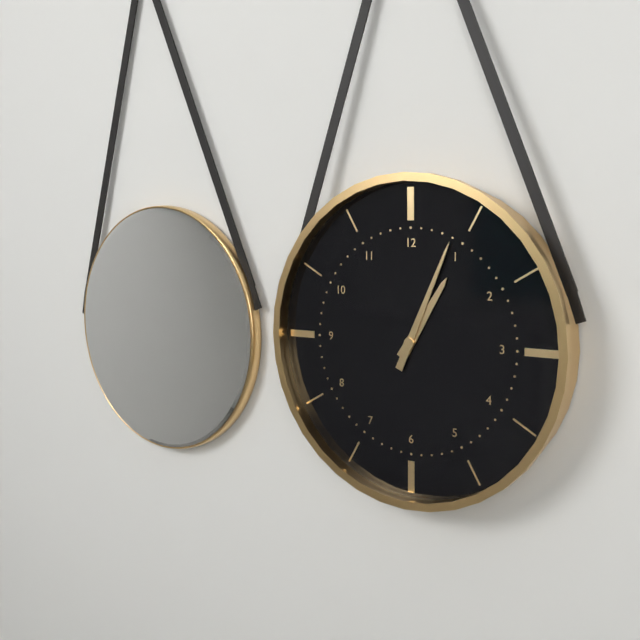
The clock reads **1:04**
